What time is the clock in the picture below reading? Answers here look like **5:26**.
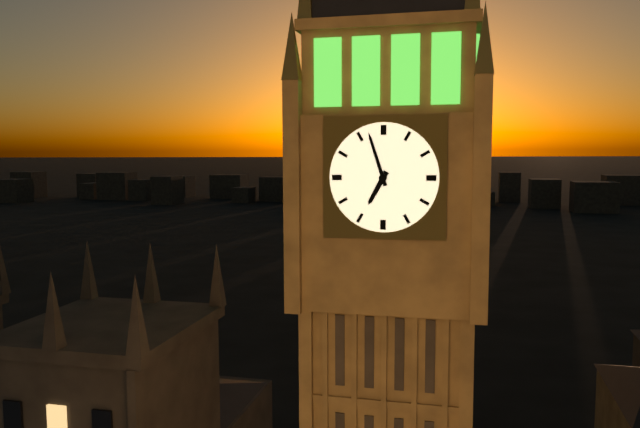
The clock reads **6:57**
